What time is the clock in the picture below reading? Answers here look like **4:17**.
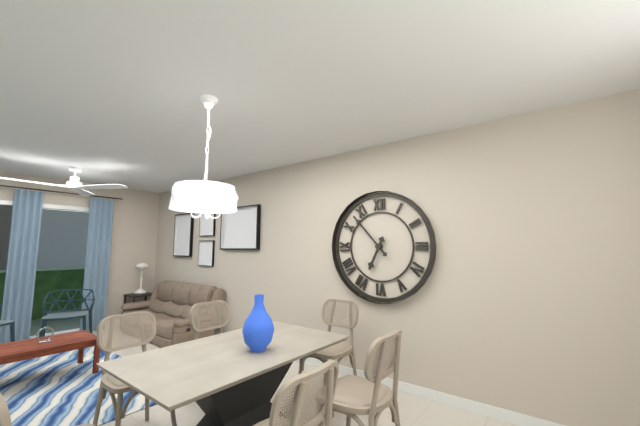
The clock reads **6:53**
